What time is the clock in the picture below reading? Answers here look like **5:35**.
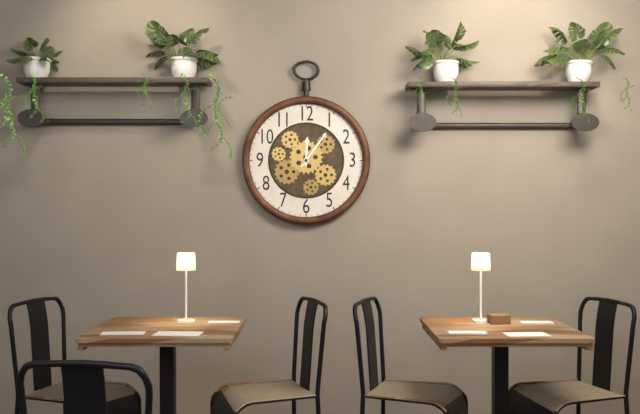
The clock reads **12:06**
